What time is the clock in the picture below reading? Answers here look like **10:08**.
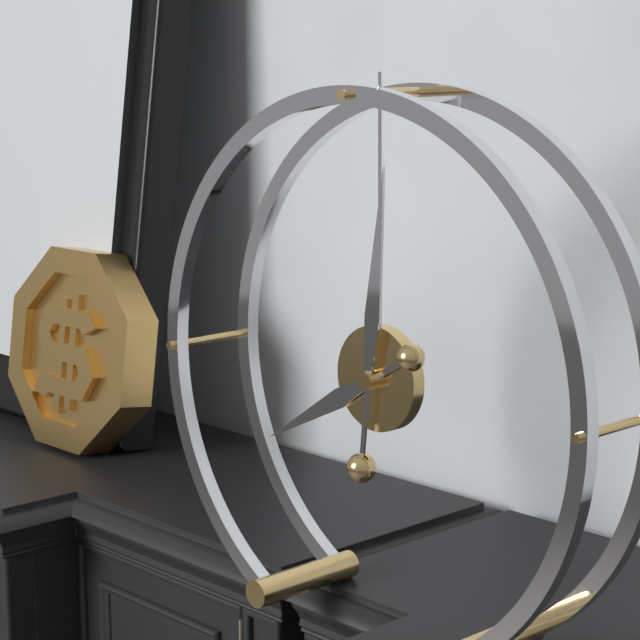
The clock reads **8:01**
